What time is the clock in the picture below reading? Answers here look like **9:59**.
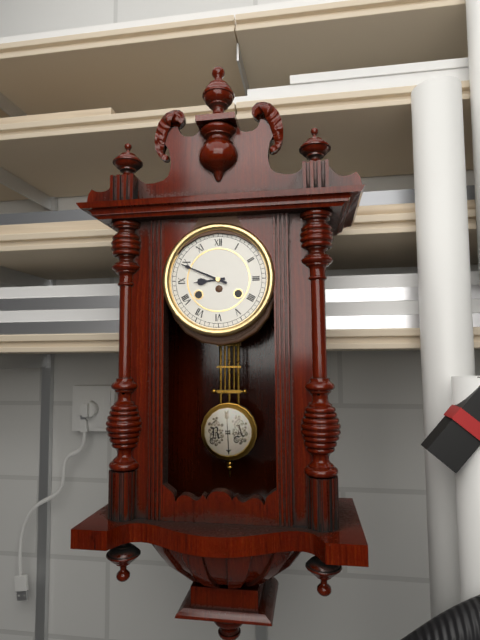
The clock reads **8:49**
